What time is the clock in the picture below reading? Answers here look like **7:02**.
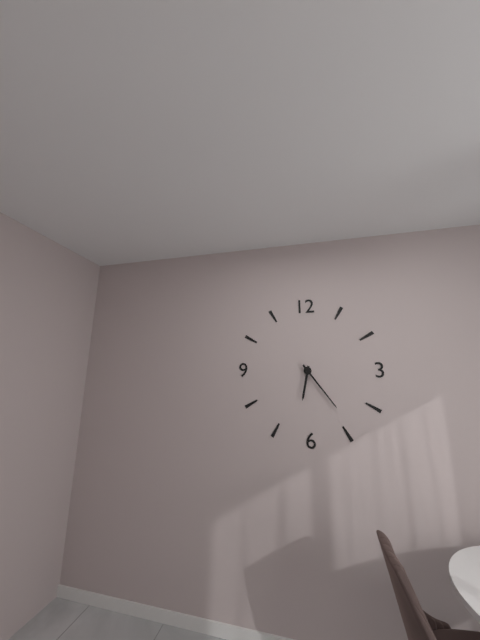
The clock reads **6:24**
